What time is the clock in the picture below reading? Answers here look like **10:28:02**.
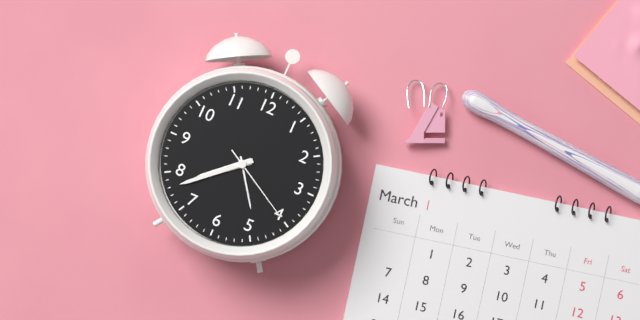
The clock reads **7:38:20**
